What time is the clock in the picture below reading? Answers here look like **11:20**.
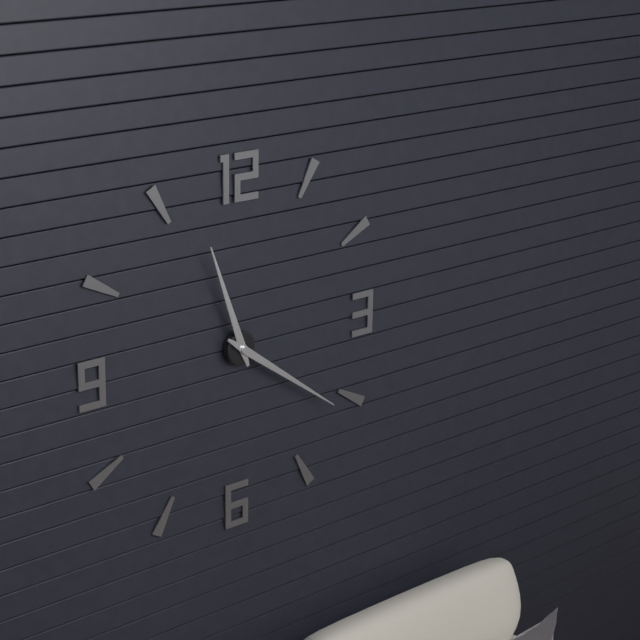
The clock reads **11:21**
